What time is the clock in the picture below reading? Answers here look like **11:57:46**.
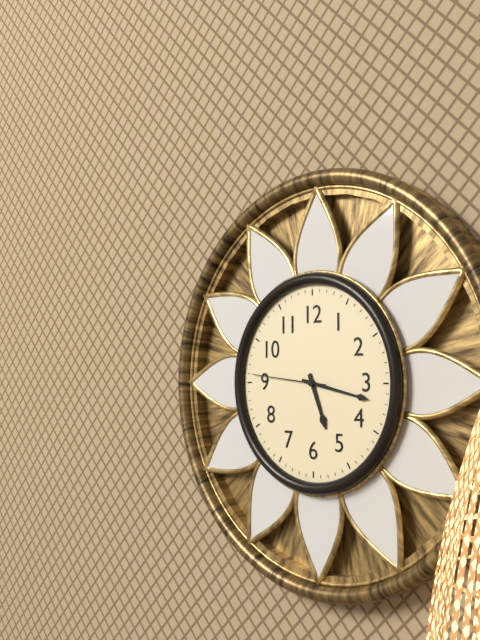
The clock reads **5:17:46**
